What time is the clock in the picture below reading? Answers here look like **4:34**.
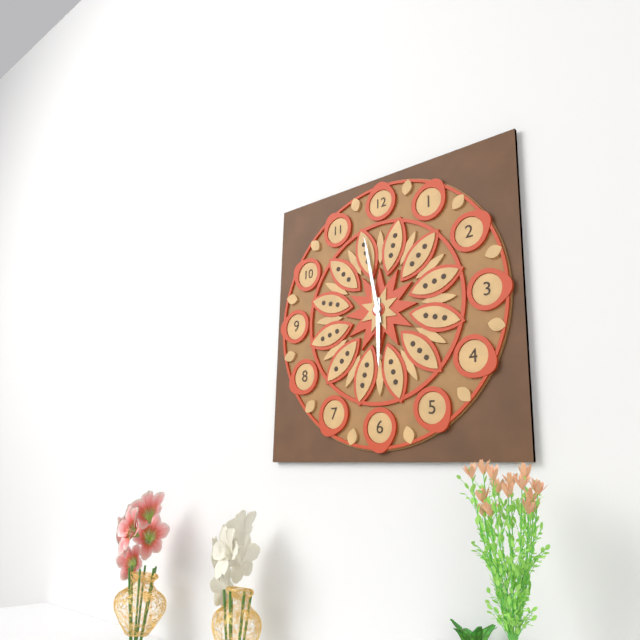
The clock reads **5:58**
